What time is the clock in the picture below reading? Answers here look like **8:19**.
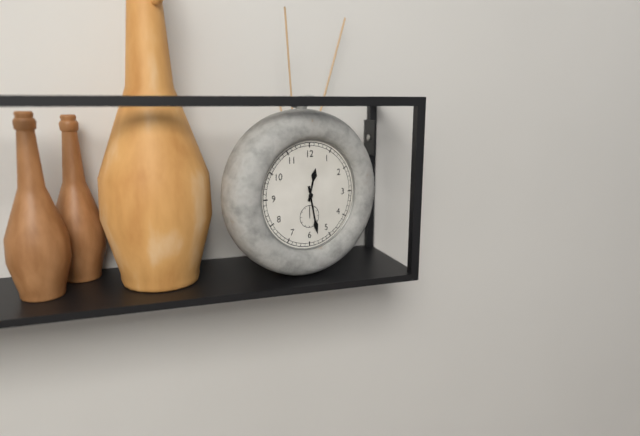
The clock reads **12:28**
